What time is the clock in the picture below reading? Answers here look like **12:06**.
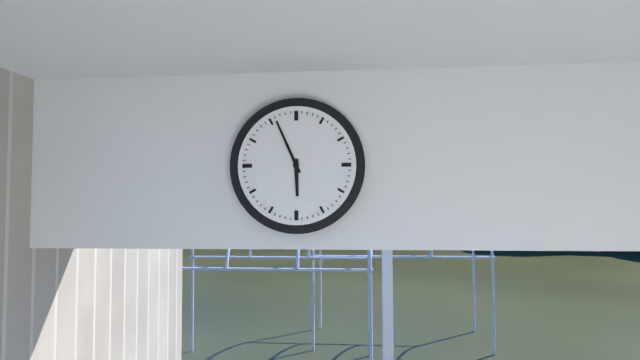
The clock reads **5:56**
